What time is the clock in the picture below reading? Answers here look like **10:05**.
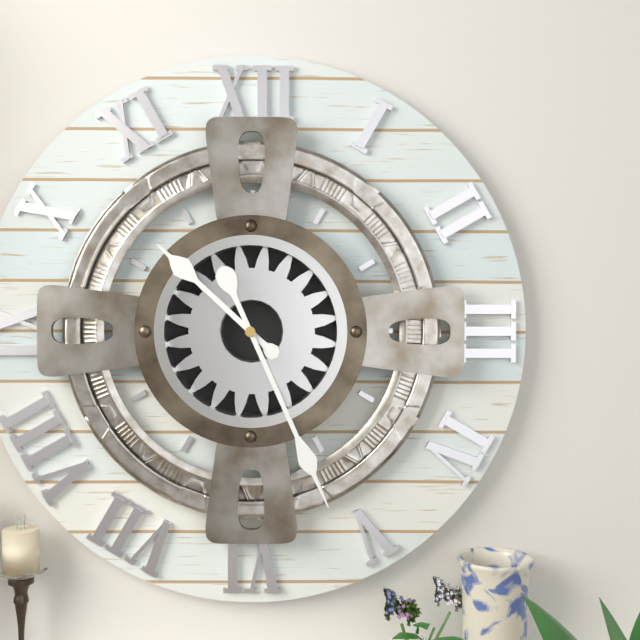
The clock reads **10:26**
